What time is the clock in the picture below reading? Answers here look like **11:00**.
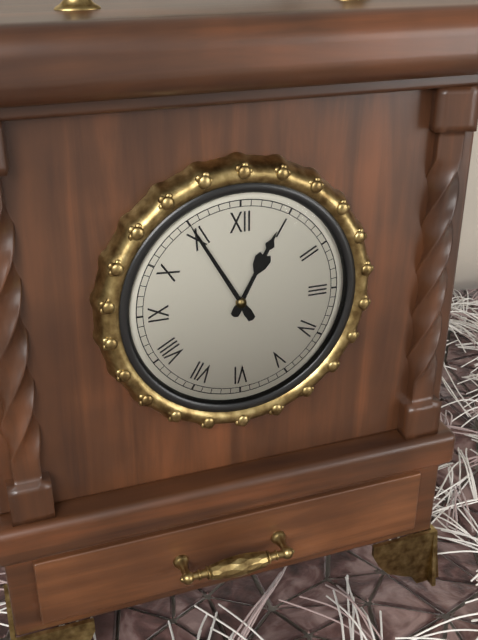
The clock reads **12:55**
